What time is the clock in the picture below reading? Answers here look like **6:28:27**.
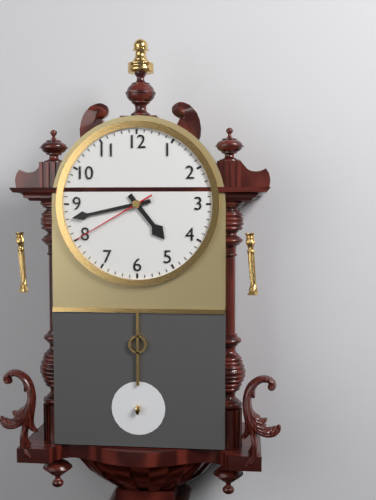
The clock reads **4:43:40**
